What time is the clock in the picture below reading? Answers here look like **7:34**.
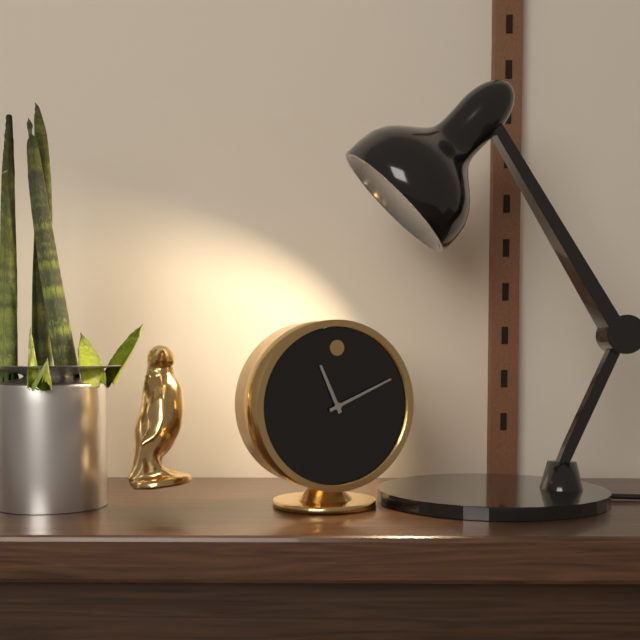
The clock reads **11:11**
